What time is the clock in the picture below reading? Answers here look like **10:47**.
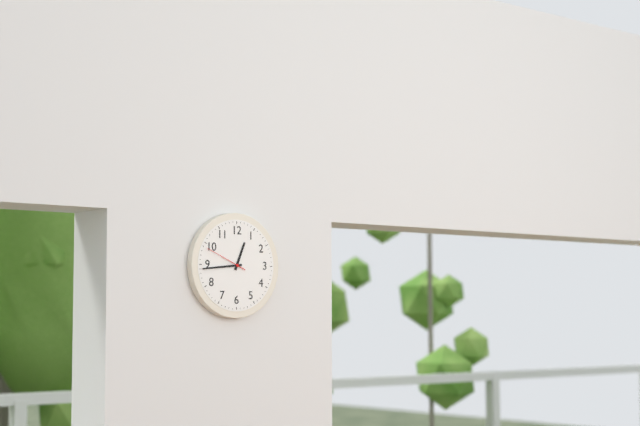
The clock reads **12:44**
